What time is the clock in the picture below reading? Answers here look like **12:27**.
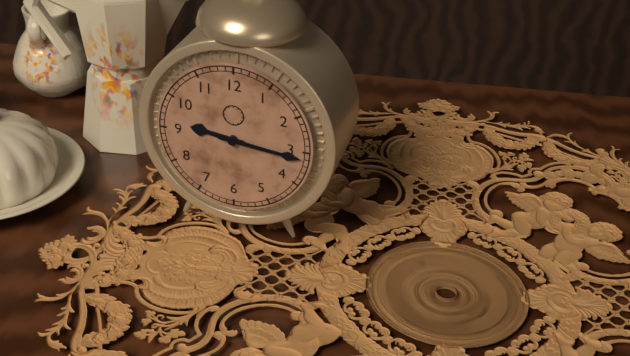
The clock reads **9:16**
